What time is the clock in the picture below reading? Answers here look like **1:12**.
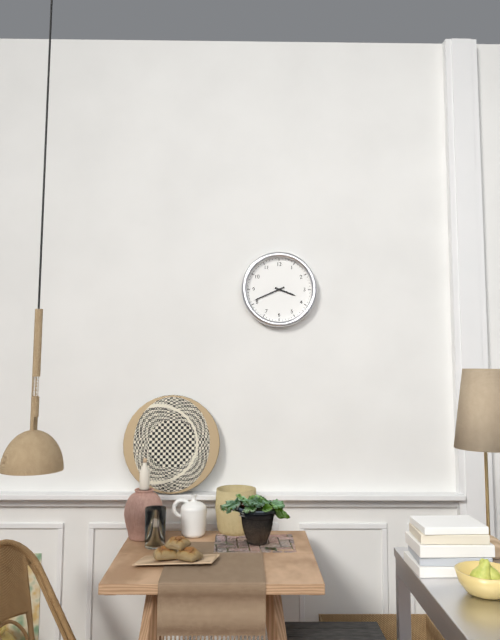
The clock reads **3:41**
